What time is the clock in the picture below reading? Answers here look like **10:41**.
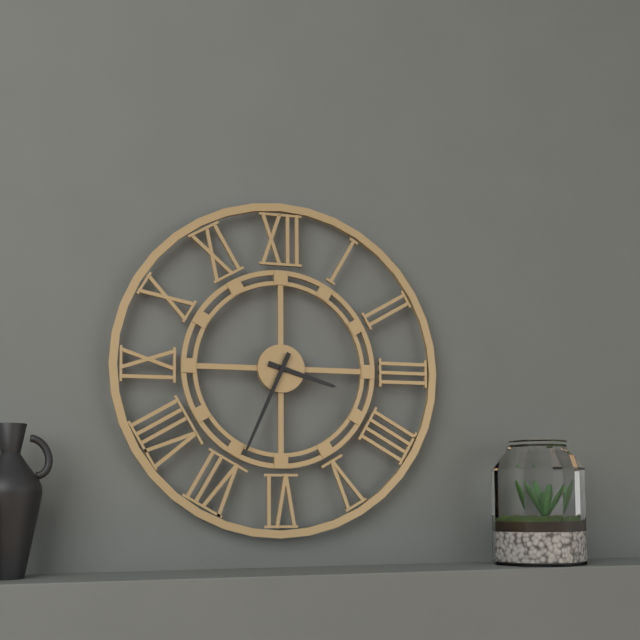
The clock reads **3:34**
